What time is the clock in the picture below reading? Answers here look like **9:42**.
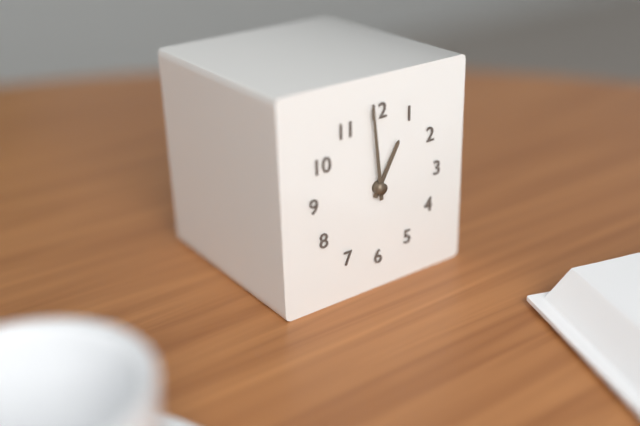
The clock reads **12:59**
